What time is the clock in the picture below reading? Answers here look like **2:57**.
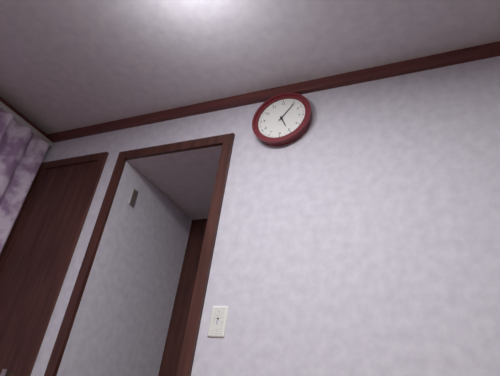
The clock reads **5:06**
